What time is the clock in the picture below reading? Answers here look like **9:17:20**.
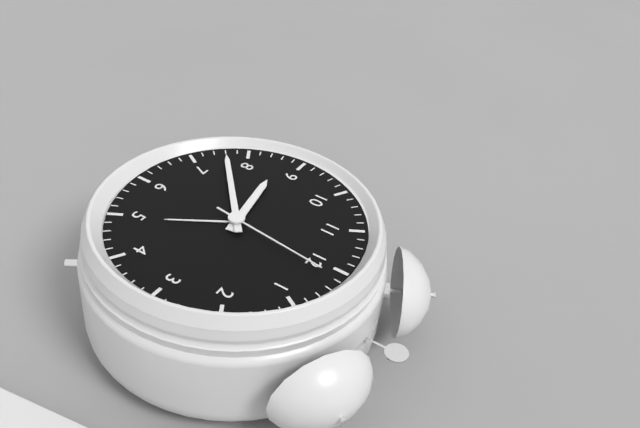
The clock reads **8:38:01**
